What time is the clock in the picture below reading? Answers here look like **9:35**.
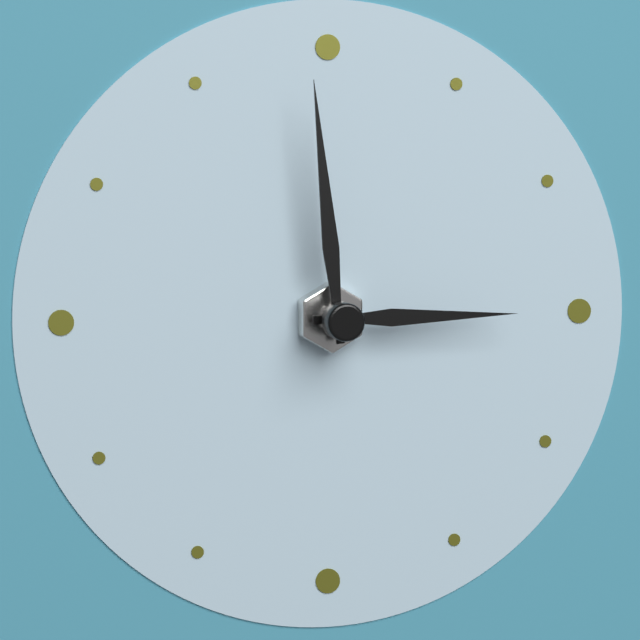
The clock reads **2:59**
